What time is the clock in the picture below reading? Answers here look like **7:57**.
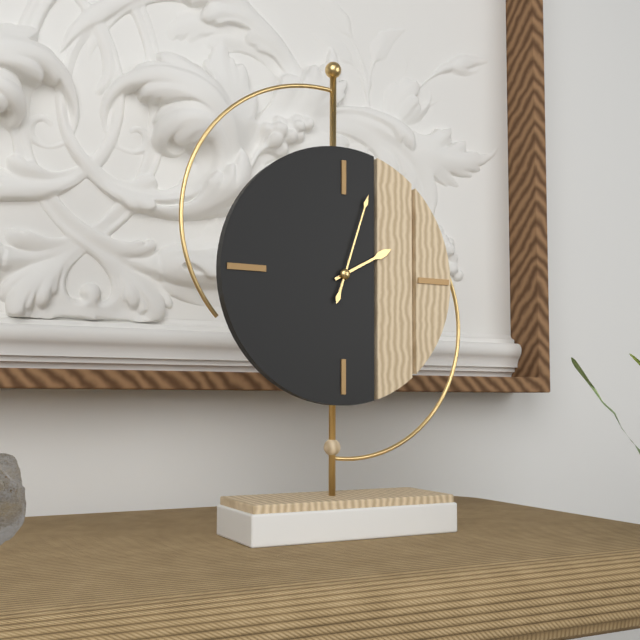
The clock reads **2:03**
